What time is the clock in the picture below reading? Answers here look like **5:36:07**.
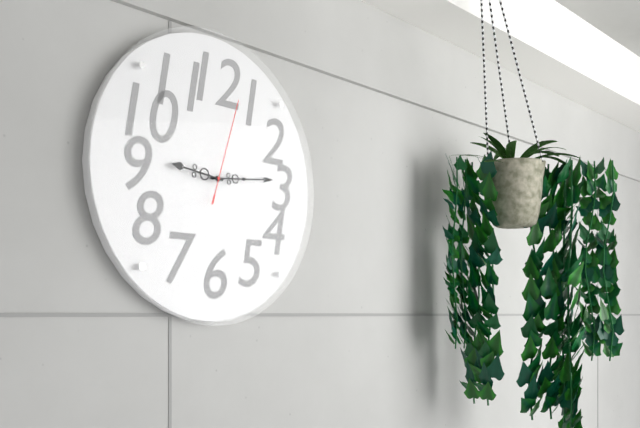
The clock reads **9:14:03**
